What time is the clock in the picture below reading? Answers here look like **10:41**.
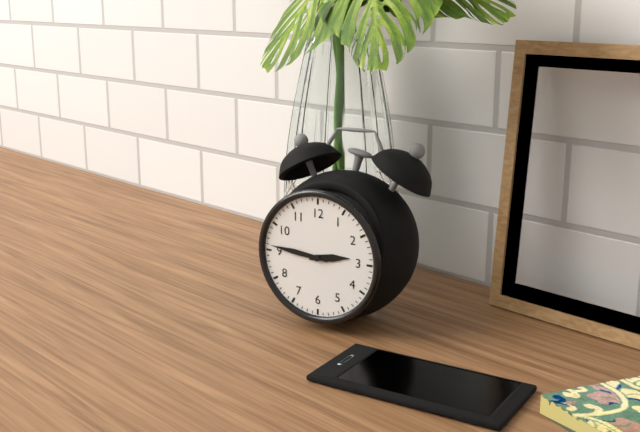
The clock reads **2:46**
